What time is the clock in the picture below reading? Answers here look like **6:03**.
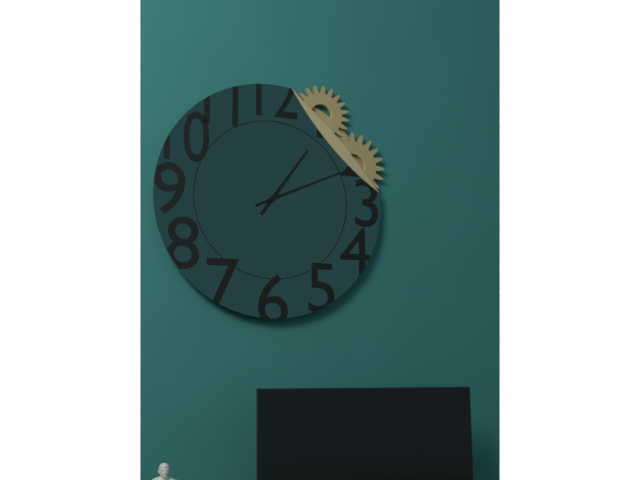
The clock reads **1:11**
